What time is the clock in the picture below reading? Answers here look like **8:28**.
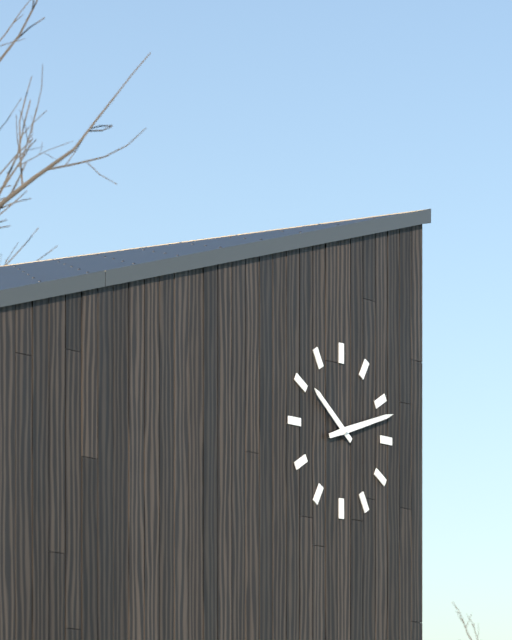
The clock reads **10:12**
